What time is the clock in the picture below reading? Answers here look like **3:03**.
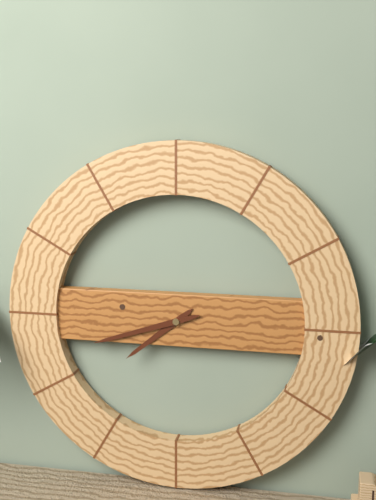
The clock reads **7:42**
